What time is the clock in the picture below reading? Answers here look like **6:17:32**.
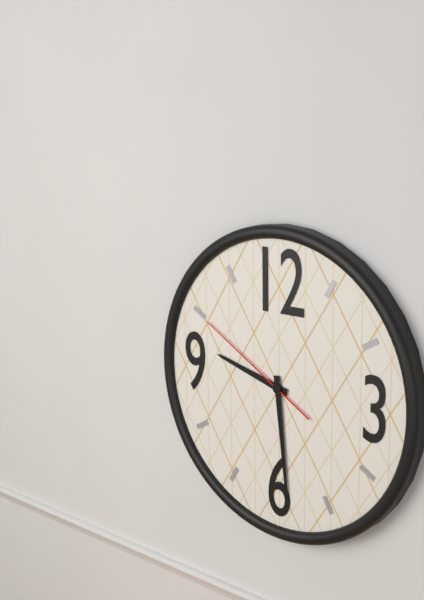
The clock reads **9:29:50**
